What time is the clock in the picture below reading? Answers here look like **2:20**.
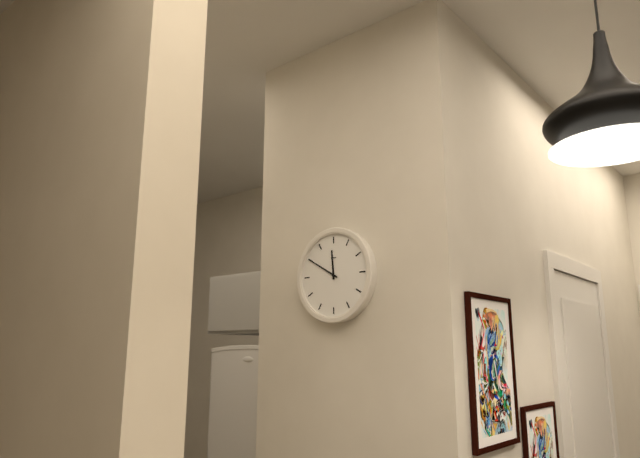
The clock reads **11:50**
